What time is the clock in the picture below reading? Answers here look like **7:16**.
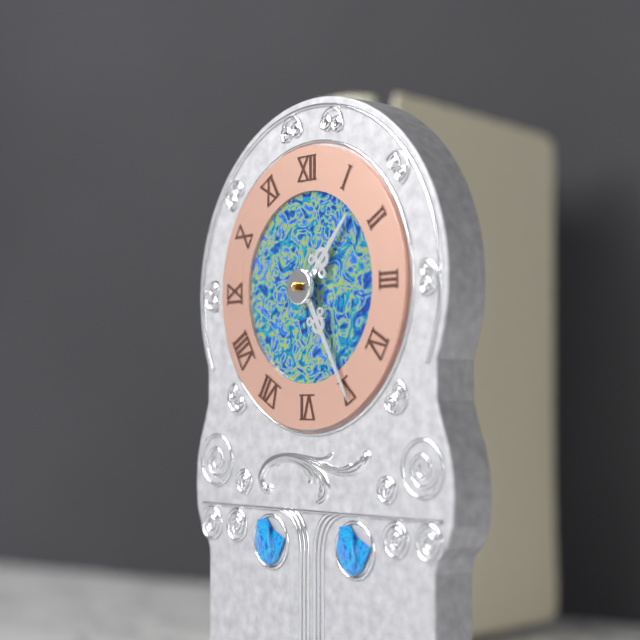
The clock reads **1:25**
